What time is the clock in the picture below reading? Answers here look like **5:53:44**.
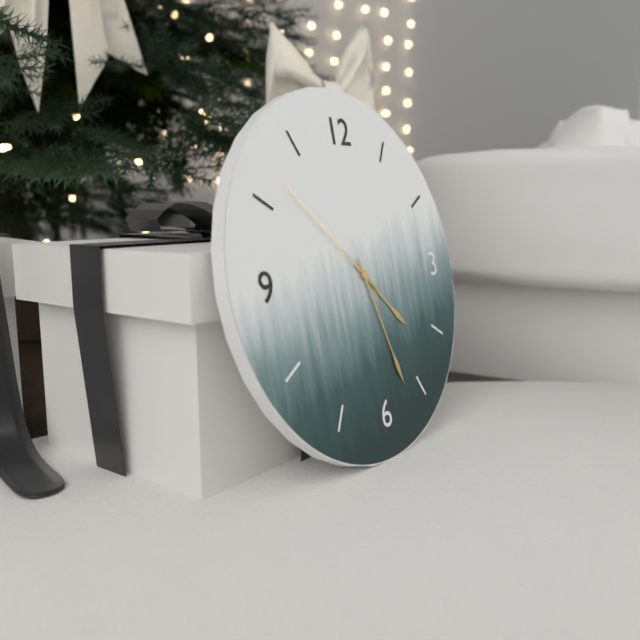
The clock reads **4:27:52**
